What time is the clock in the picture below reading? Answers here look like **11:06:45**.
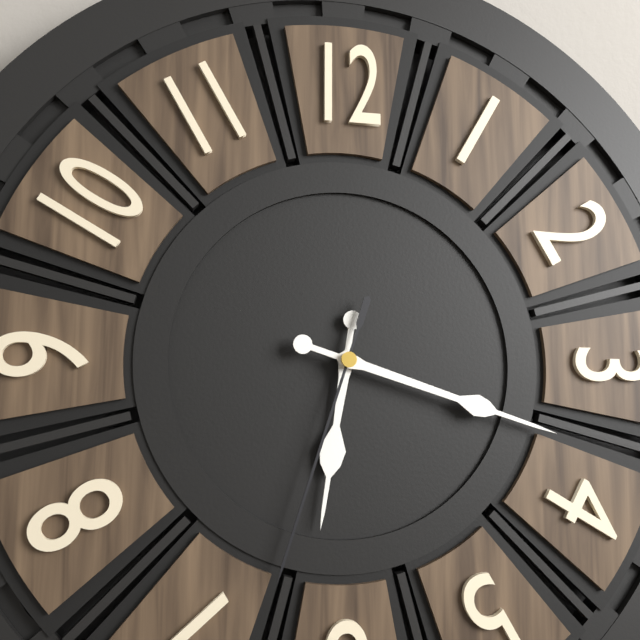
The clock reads **6:18:33**
